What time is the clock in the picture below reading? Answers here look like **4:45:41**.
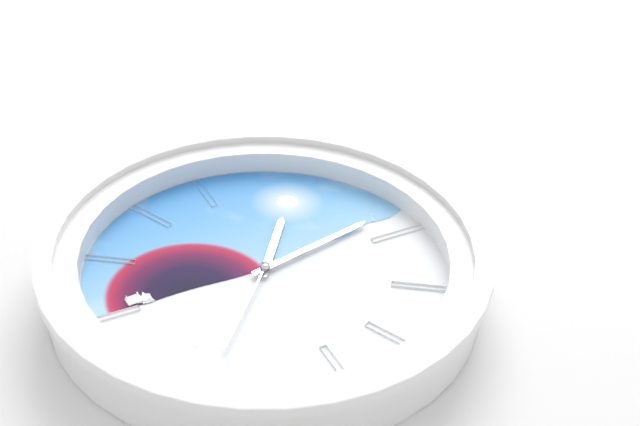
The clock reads **1:13:37**
